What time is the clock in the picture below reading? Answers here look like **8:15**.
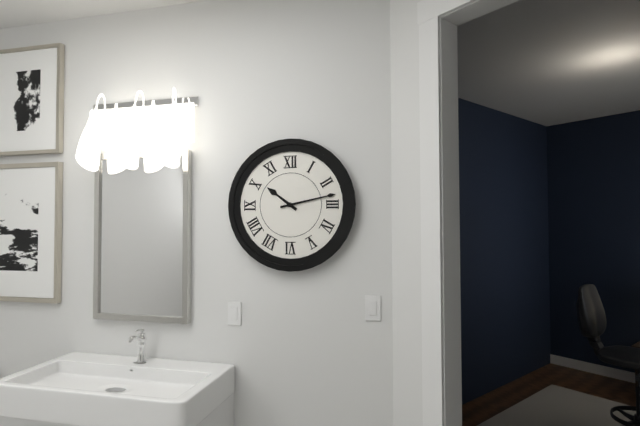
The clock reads **10:13**
